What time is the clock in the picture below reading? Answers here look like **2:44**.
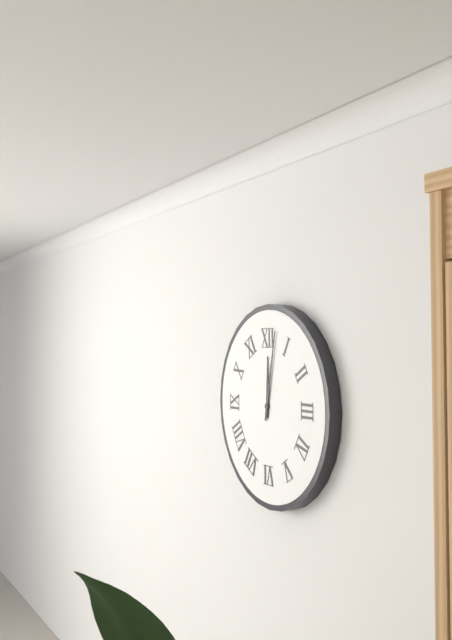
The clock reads **12:02**
